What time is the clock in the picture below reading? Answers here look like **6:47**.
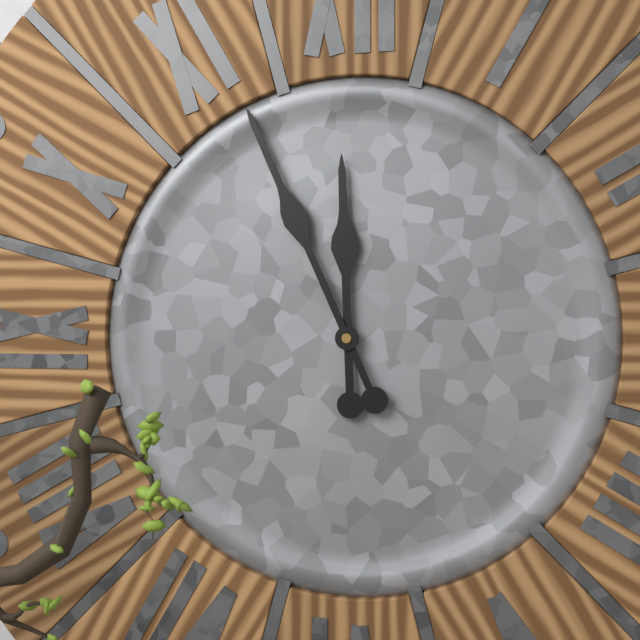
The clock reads **11:56**
